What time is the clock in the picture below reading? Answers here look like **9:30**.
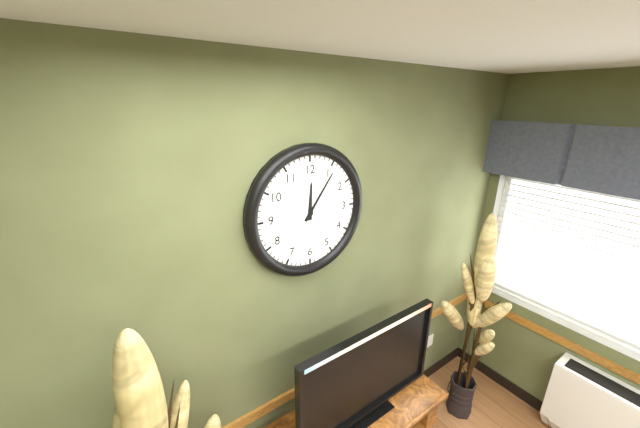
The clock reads **12:06**
